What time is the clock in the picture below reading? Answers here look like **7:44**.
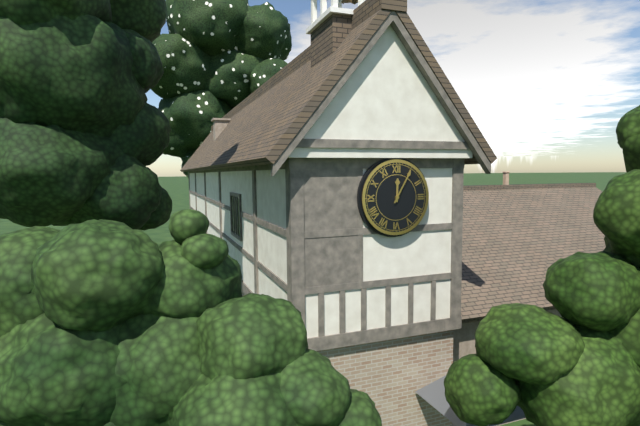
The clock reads **12:05**
